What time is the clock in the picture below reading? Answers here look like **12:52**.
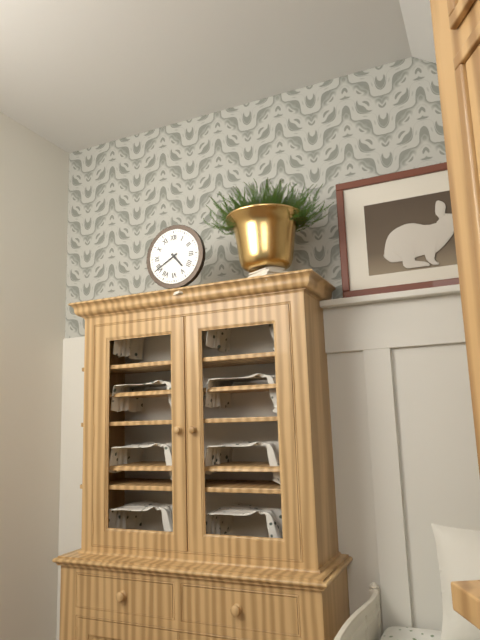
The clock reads **4:40**
